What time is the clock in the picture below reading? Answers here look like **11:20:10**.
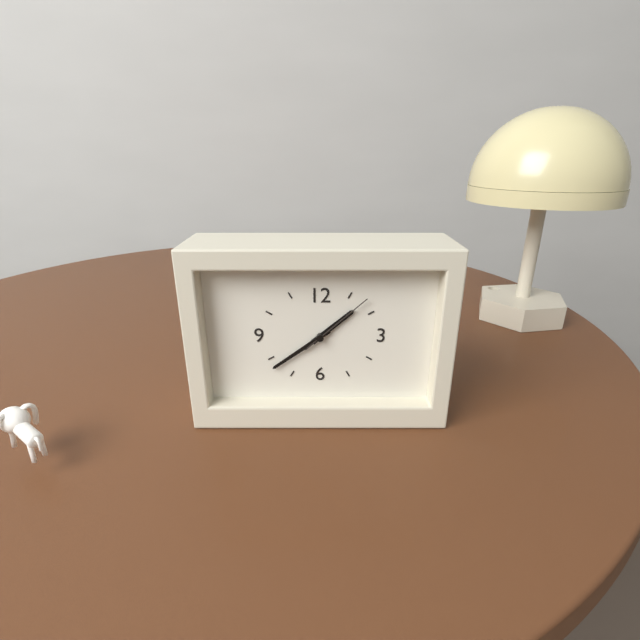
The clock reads **1:39:08**
